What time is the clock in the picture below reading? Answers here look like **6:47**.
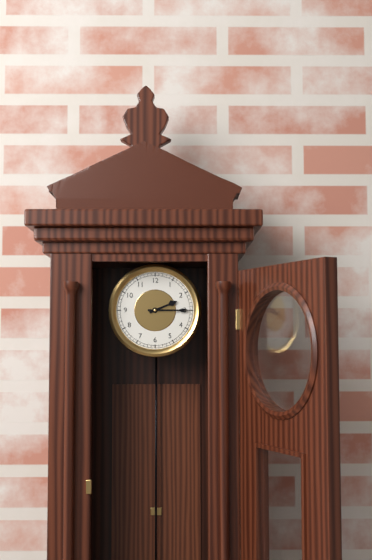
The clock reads **2:15**
